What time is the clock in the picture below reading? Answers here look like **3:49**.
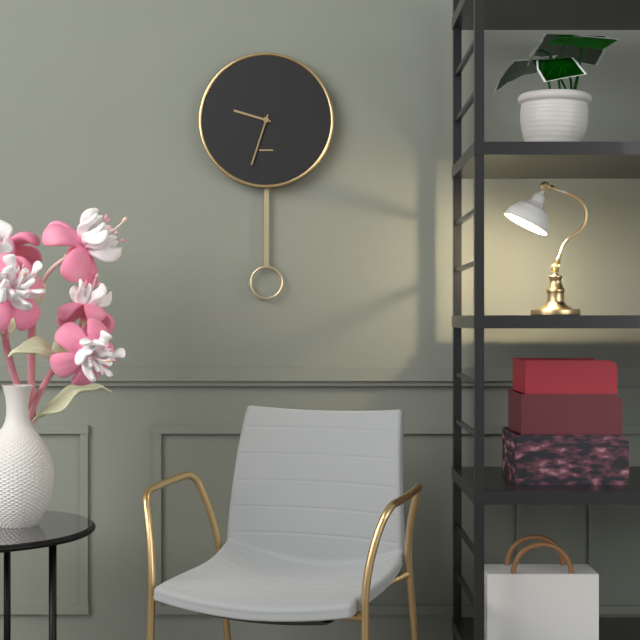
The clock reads **9:33**
